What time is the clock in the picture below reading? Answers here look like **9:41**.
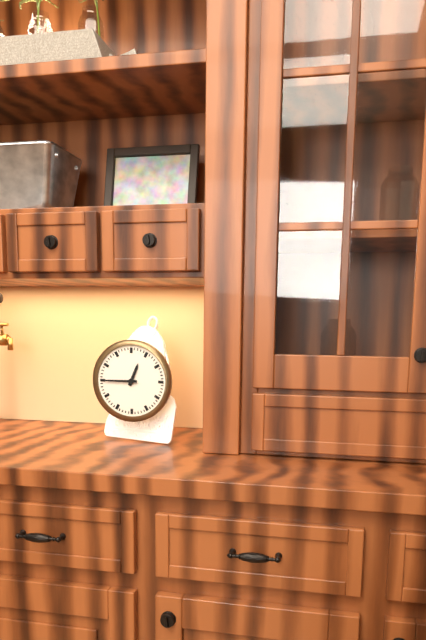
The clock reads **12:45**
